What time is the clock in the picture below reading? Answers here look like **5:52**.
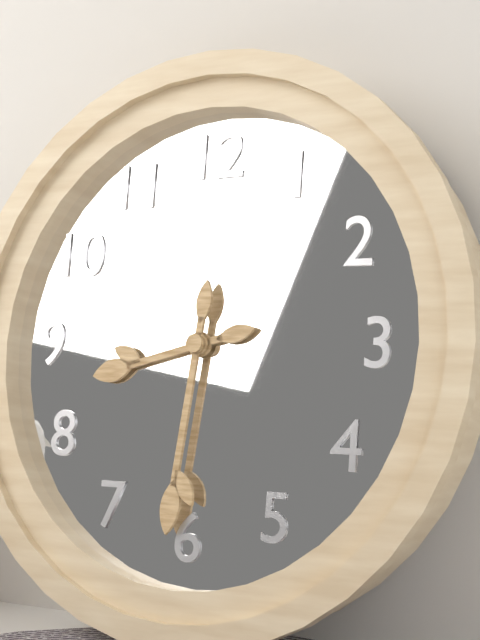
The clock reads **8:31**
